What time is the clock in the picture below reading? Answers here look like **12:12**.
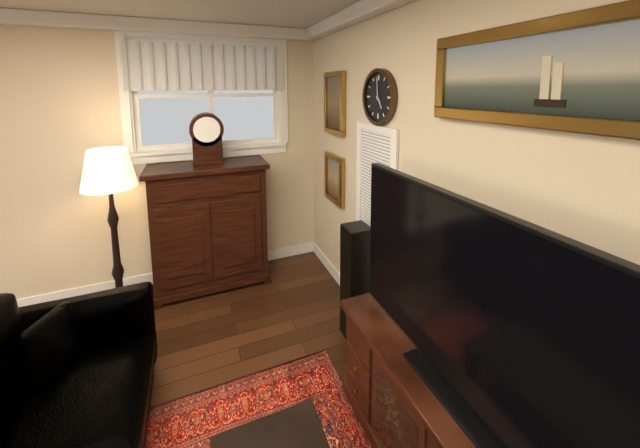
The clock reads **4:59**
